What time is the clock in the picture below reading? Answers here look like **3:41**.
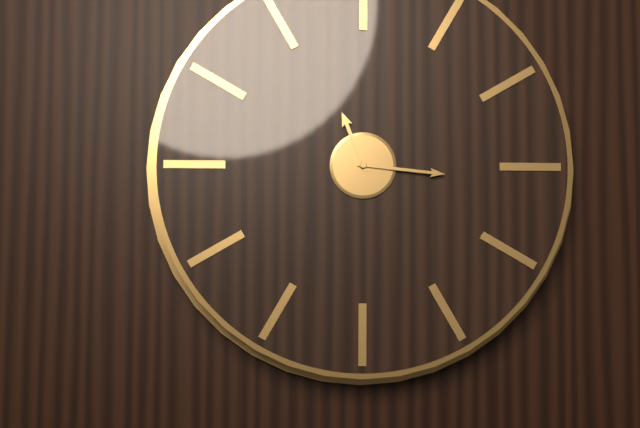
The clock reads **11:16**
